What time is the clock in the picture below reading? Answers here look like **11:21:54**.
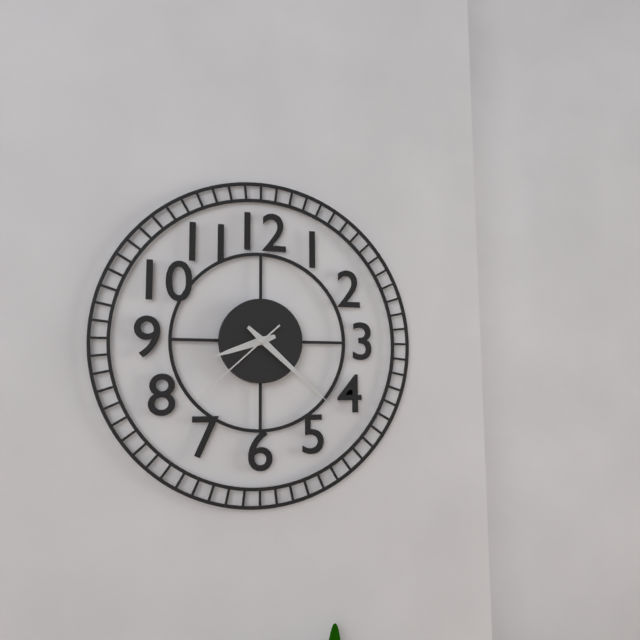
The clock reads **8:22:38**
